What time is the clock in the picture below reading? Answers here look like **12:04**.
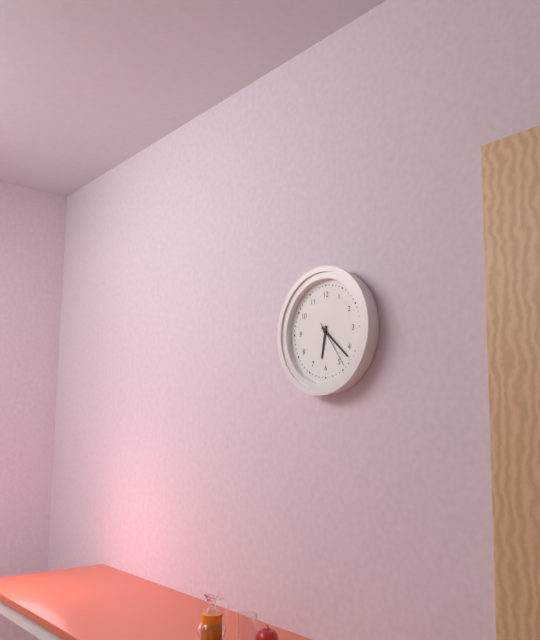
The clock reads **6:22**
